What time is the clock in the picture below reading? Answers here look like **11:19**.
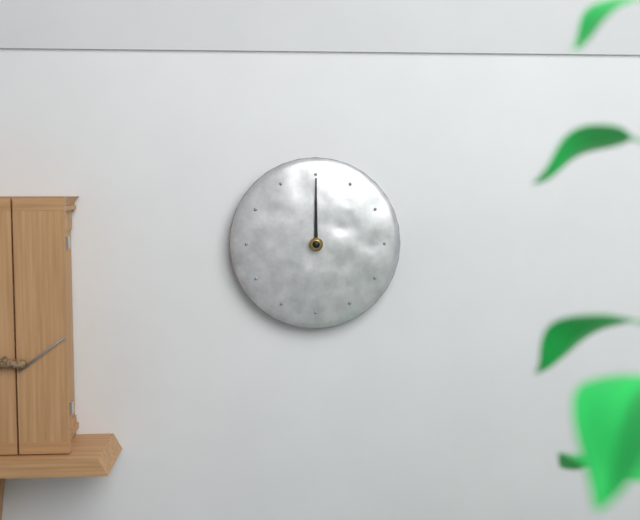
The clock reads **12:00**
